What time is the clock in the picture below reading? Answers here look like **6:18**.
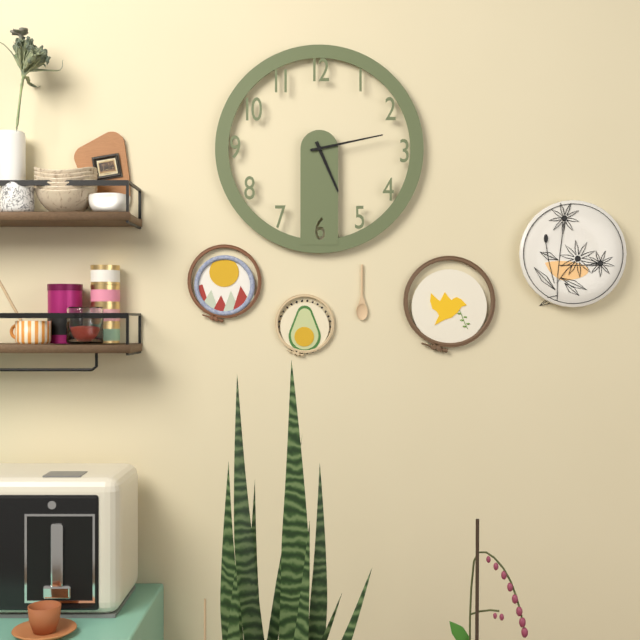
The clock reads **5:13**
